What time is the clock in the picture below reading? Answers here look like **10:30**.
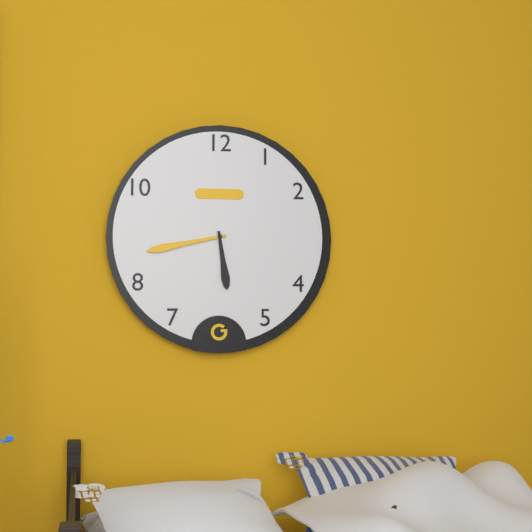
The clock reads **5:43**
